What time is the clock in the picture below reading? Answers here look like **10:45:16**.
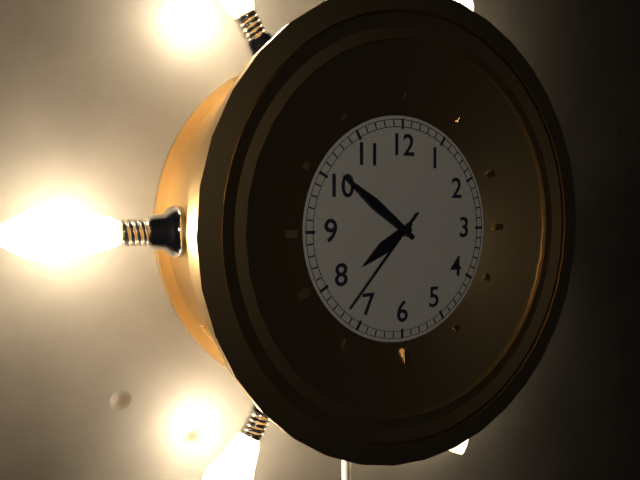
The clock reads **7:51:37**
